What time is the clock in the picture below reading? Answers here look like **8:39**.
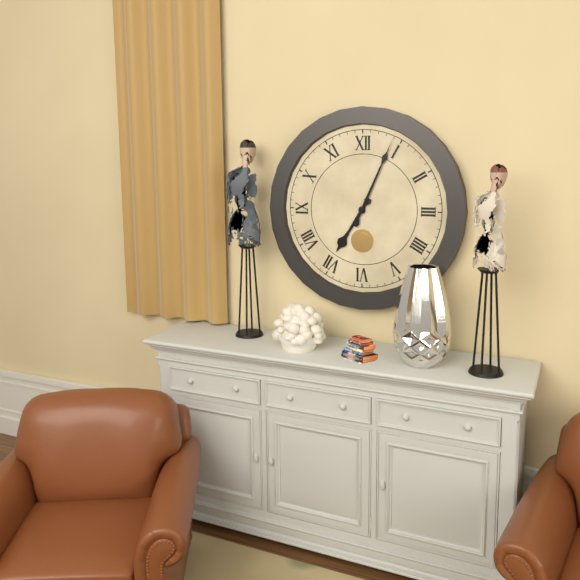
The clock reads **7:04**
